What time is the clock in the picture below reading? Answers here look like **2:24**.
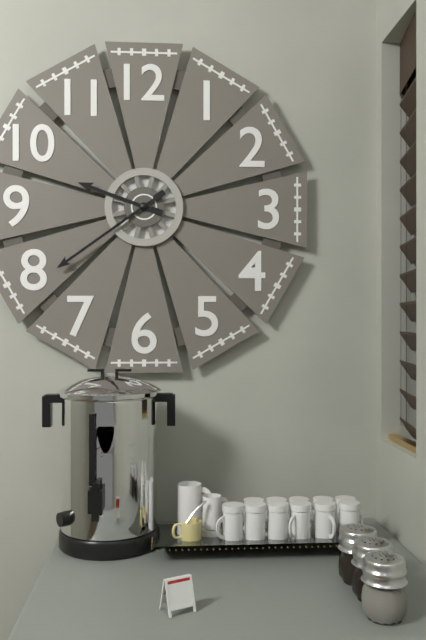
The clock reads **9:39**
